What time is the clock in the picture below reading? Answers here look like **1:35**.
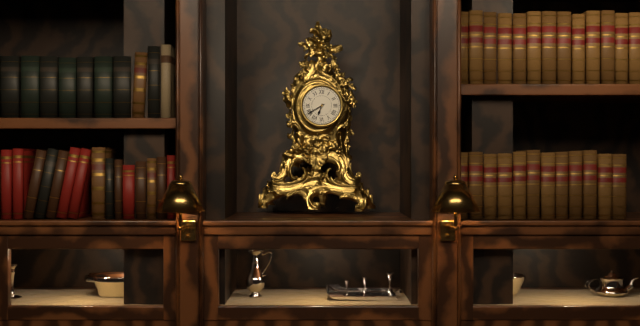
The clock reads **6:40**
